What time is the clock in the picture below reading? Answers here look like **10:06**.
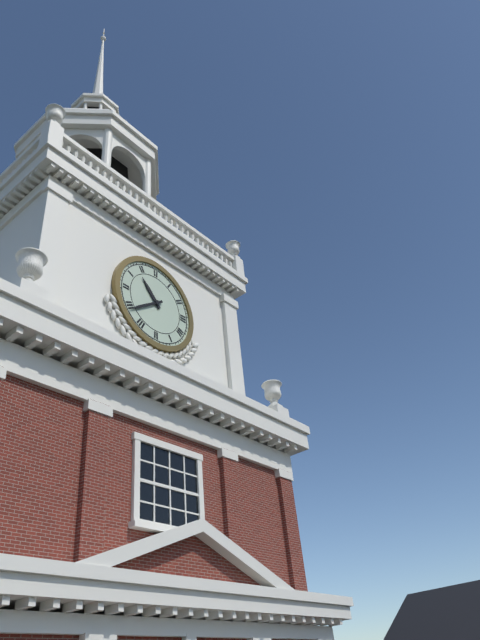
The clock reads **10:39**
